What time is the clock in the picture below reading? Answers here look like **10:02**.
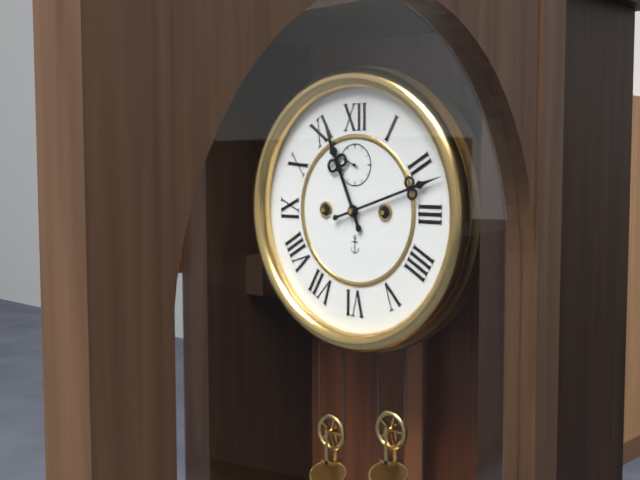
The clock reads **11:12**
